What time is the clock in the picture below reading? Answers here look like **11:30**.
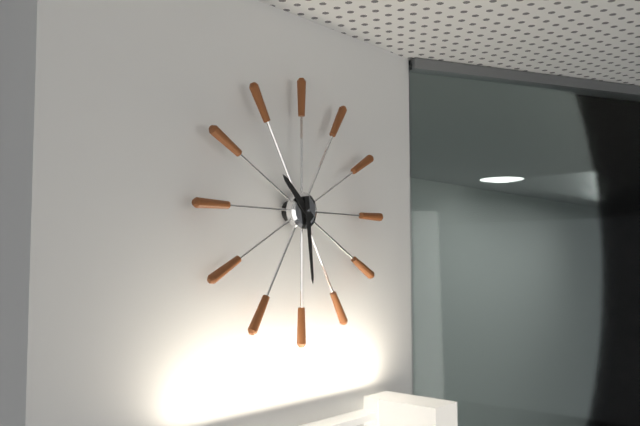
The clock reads **10:29**
